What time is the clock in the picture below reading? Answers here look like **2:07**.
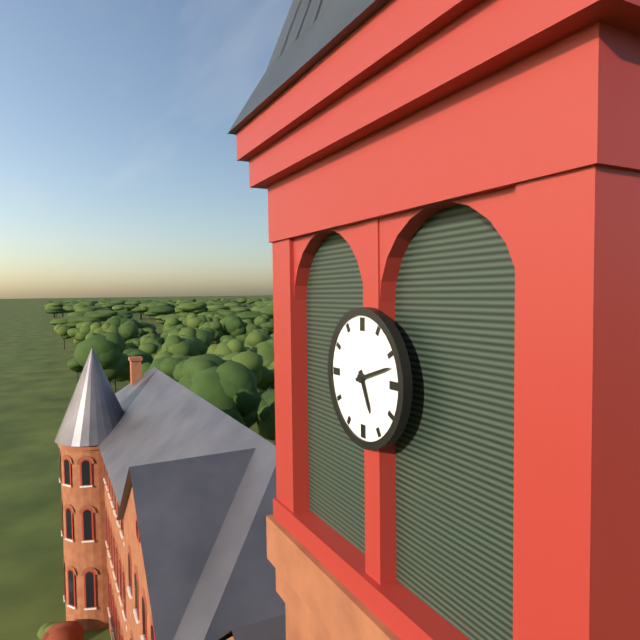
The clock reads **5:12**
